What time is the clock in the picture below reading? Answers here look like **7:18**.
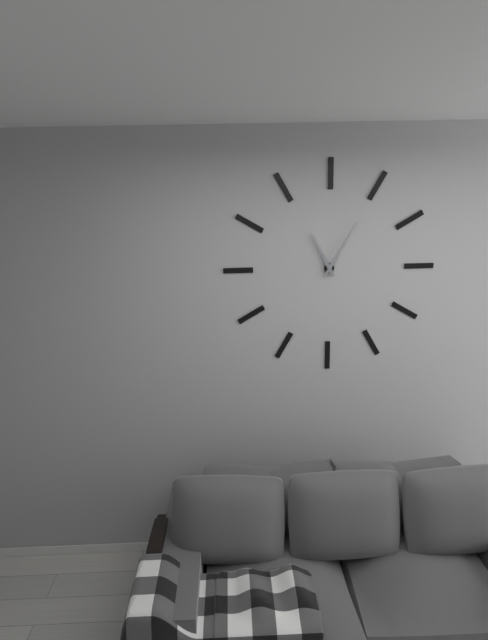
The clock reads **11:05**
